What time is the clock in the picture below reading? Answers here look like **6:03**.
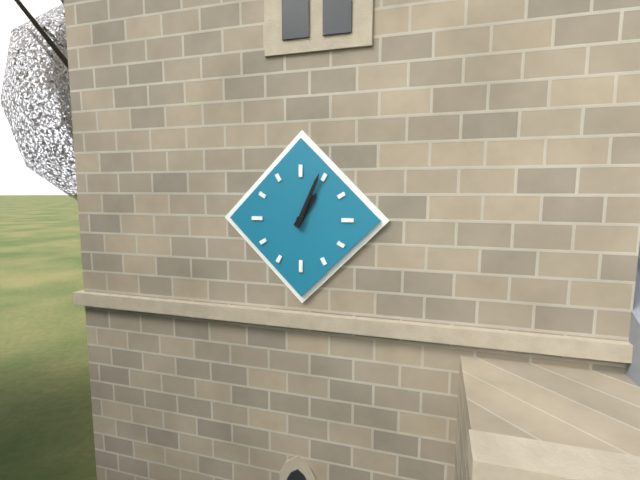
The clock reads **1:04**
